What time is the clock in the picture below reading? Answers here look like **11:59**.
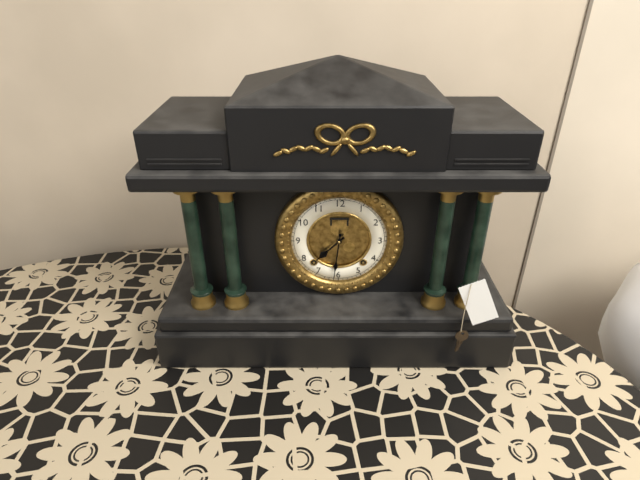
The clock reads **7:31**
